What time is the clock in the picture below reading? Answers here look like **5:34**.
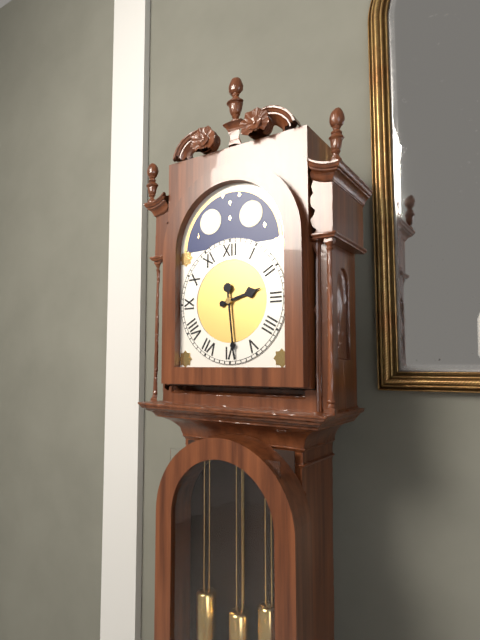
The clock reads **2:29**
